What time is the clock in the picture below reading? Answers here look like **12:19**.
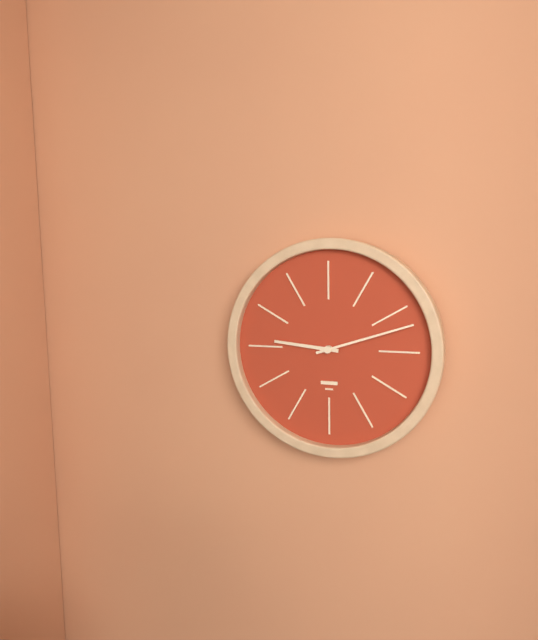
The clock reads **9:12**
